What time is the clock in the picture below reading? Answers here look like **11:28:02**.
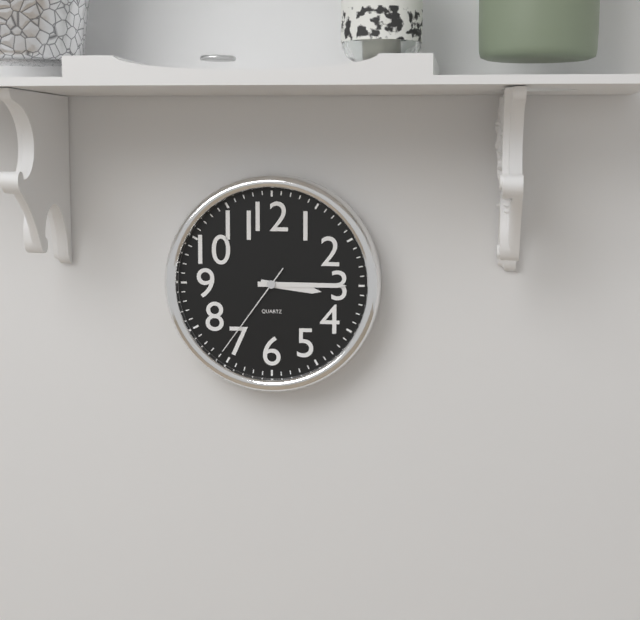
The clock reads **3:15:36**
